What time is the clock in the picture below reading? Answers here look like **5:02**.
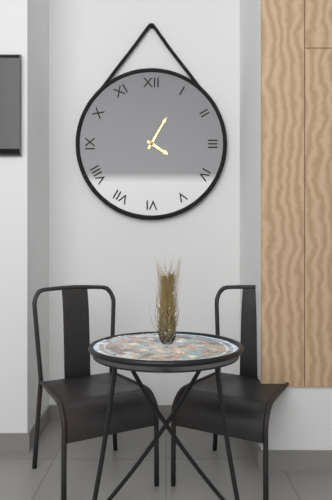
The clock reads **4:05**
